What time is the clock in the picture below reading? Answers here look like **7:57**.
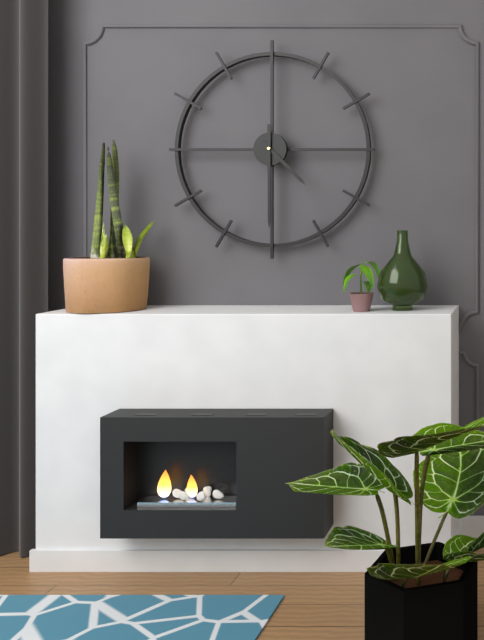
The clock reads **4:30**
